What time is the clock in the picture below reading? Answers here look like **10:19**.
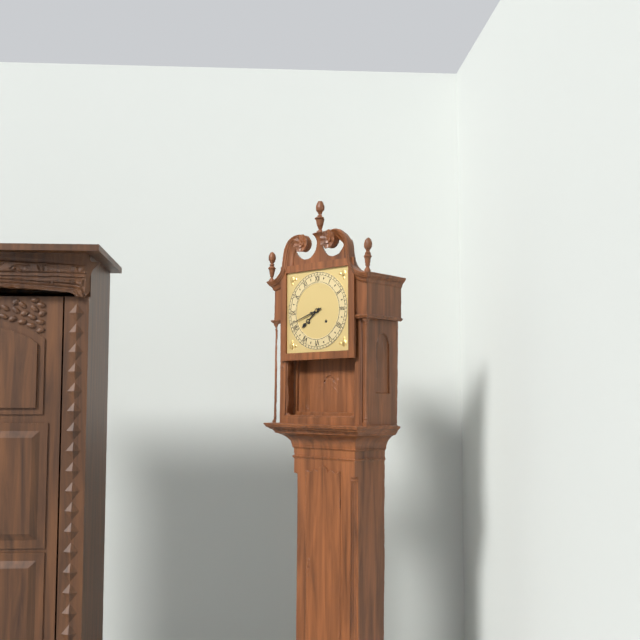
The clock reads **7:42**
